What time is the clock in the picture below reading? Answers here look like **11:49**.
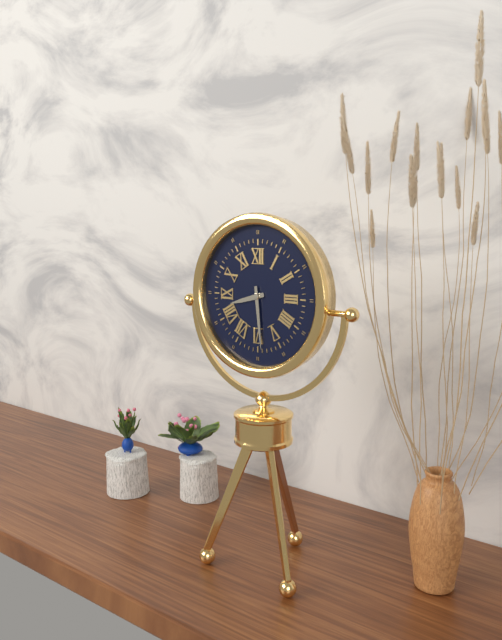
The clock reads **8:29**
